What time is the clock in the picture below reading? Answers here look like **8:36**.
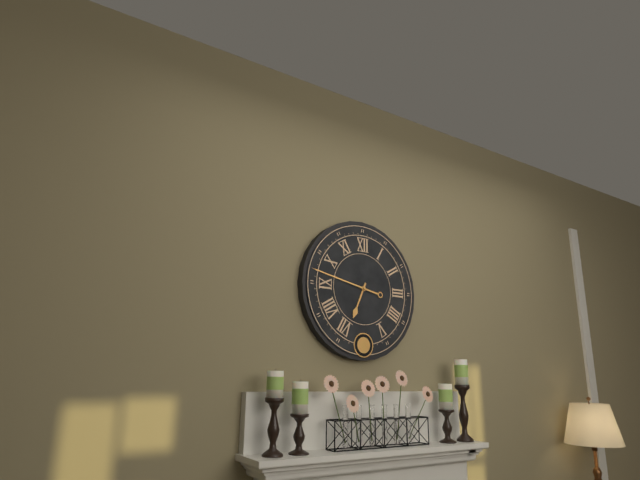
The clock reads **6:47**
